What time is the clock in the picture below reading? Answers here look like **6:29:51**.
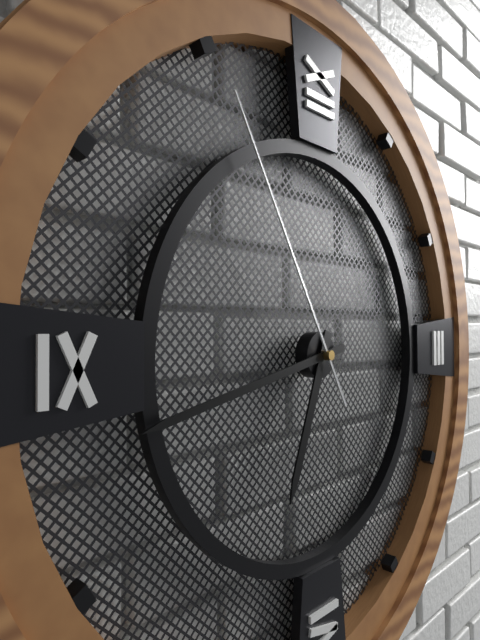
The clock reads **6:43:55**
